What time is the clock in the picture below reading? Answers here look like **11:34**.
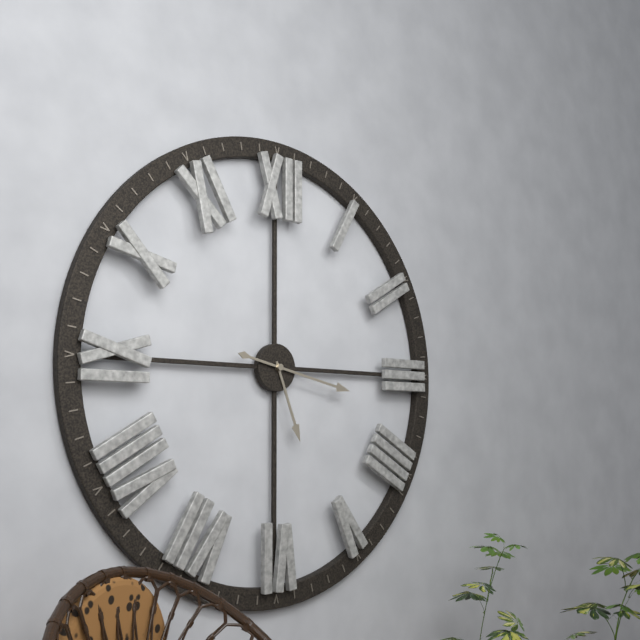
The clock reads **5:17**
